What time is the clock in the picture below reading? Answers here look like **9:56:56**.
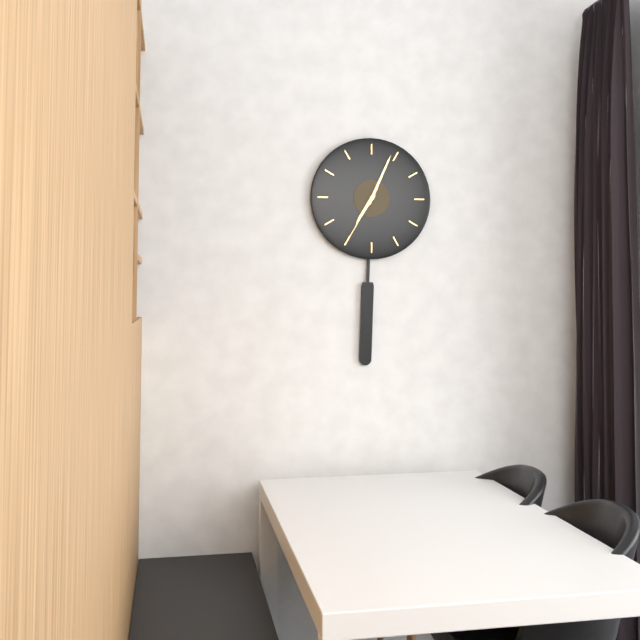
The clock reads **7:04:35**
